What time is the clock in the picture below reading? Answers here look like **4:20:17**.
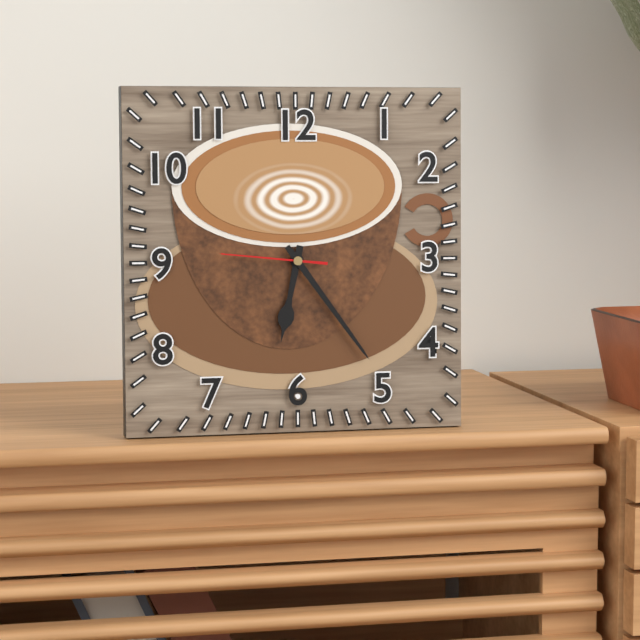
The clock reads **6:24:46**
